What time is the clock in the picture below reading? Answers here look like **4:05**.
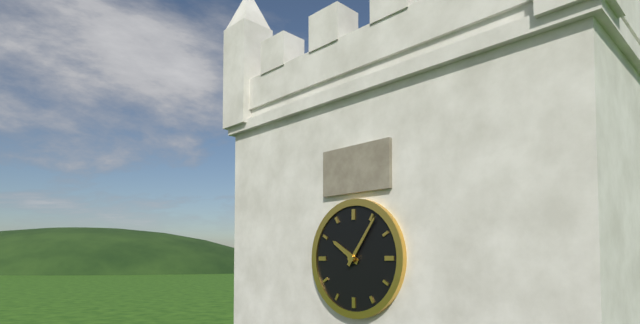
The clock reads **10:06**
